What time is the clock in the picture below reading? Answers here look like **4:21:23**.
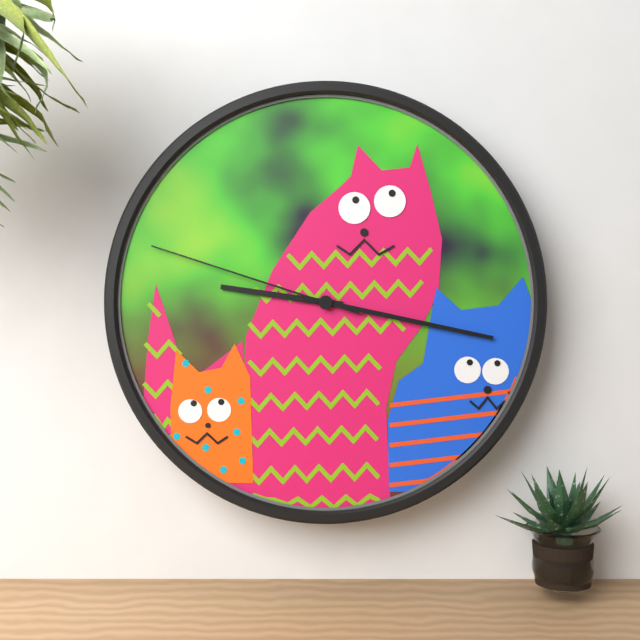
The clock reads **9:17:48**
